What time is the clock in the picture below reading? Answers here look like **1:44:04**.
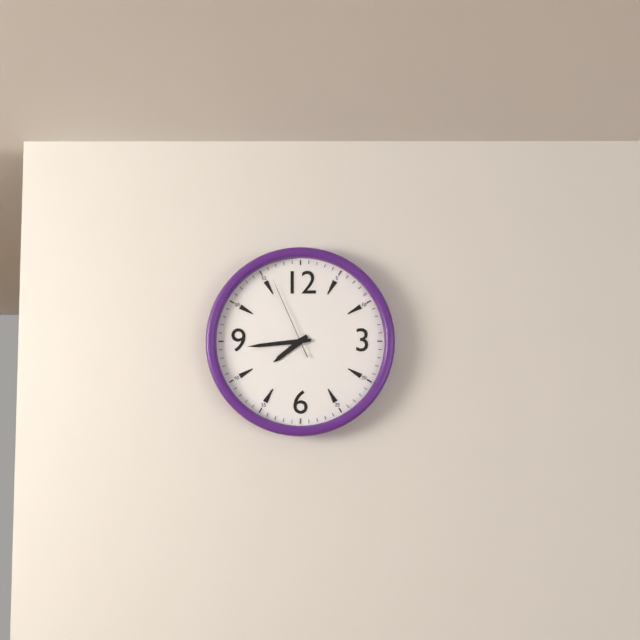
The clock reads **7:44:56**
